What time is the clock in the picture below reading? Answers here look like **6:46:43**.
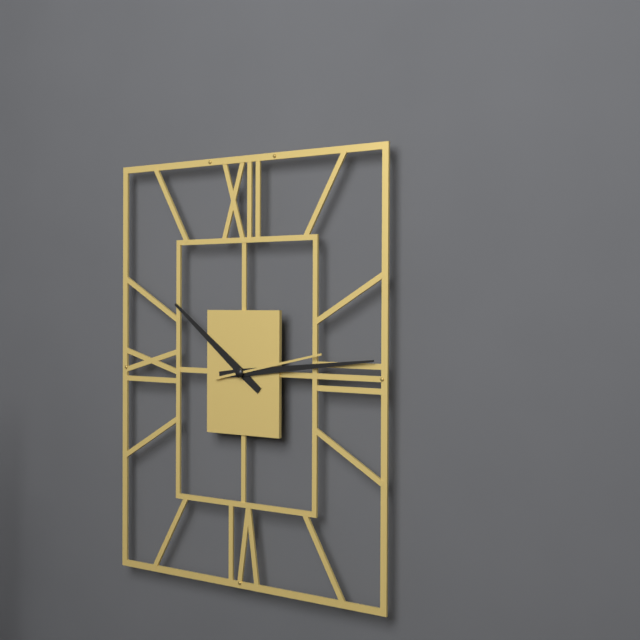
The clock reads **10:14:13**
